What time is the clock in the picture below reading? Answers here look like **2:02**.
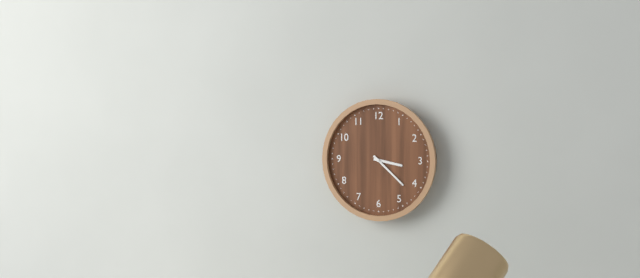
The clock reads **3:22**
